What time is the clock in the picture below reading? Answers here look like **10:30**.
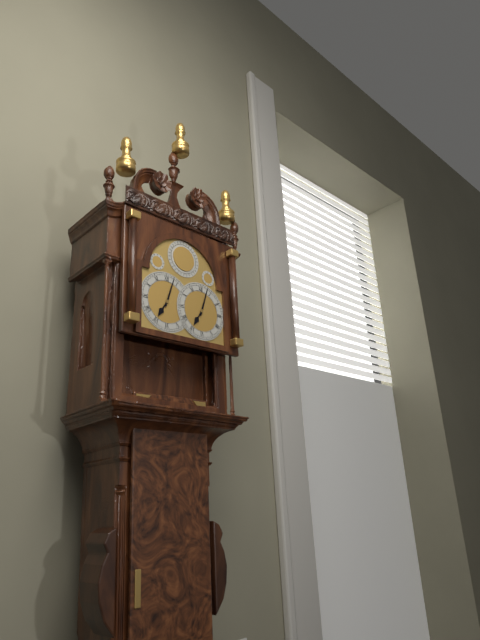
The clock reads **7:03**
